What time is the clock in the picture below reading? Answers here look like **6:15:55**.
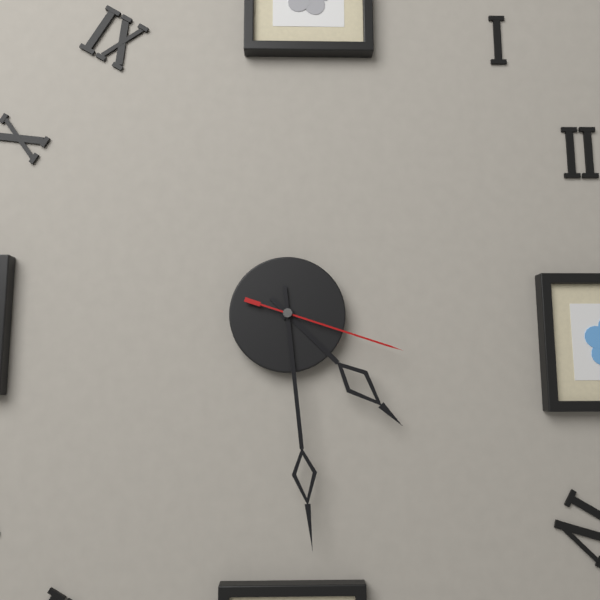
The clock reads **4:29:18**
